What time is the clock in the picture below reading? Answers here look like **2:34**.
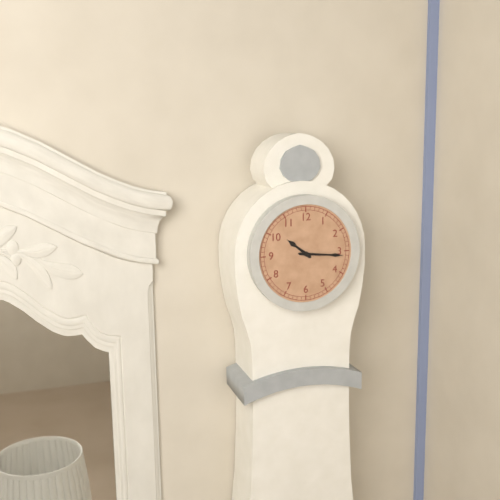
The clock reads **10:16**
